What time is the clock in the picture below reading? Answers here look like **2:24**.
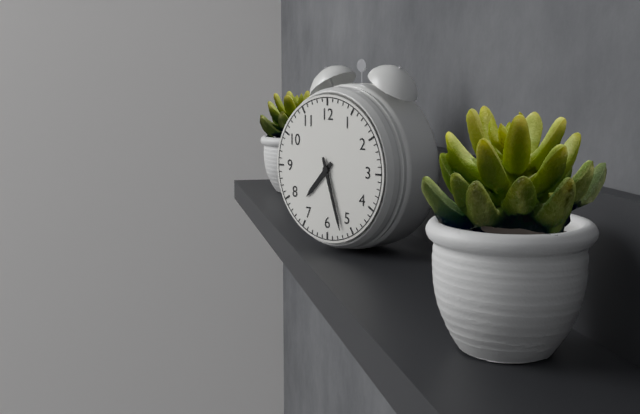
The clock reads **7:27**
